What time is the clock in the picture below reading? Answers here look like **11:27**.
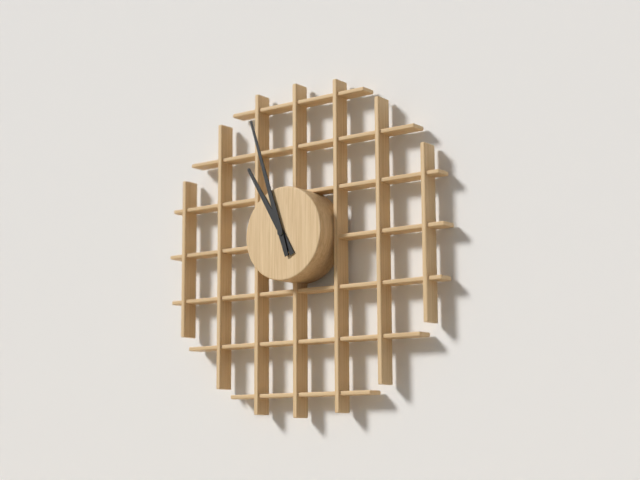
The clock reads **10:57**
